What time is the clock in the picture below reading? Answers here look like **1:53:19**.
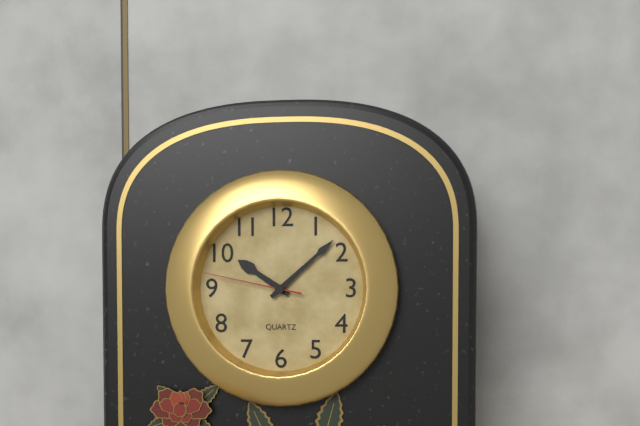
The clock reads **10:08:47**
